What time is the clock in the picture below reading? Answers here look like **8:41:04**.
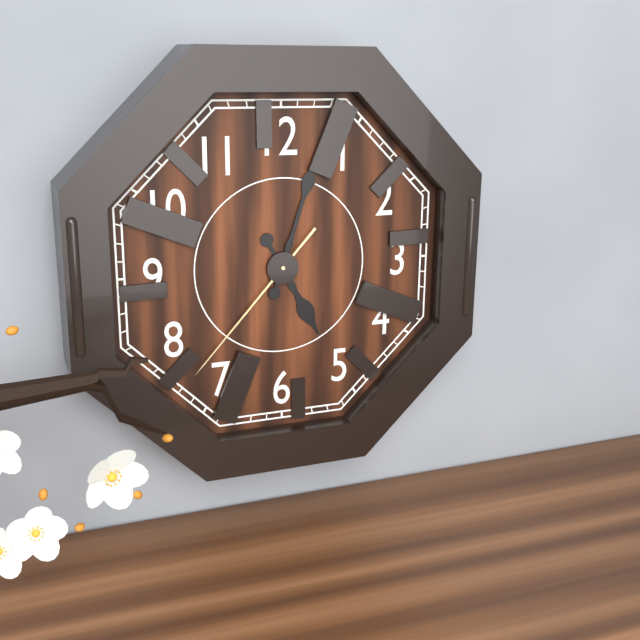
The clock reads **5:03:37**
